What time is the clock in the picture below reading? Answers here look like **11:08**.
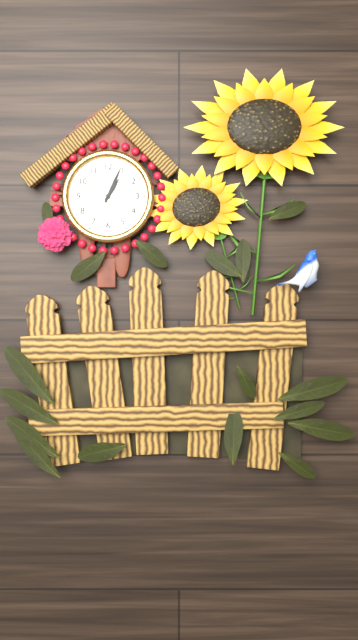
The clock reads **1:04**
